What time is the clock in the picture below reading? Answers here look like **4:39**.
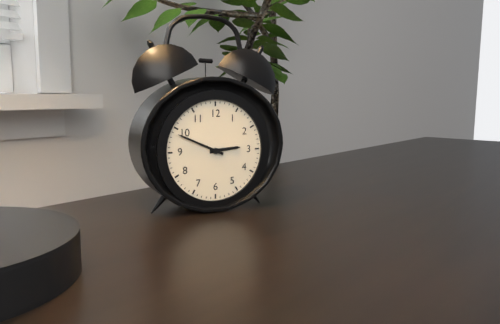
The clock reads **2:49**
